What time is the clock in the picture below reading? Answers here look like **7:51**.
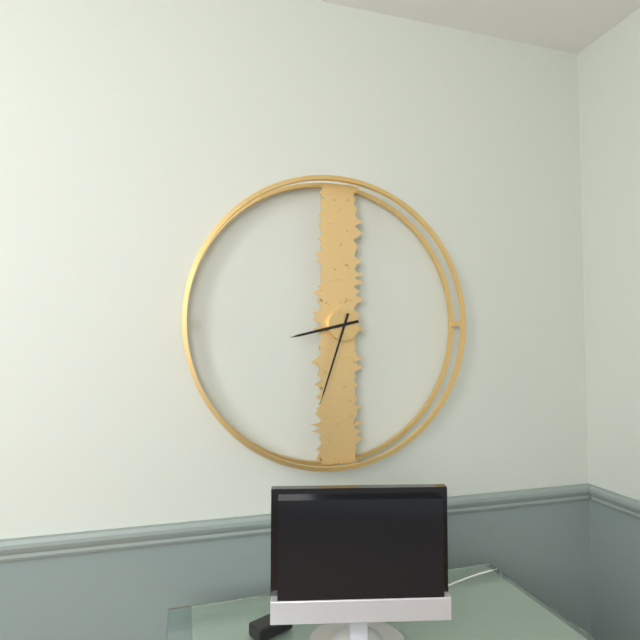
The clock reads **8:33**
